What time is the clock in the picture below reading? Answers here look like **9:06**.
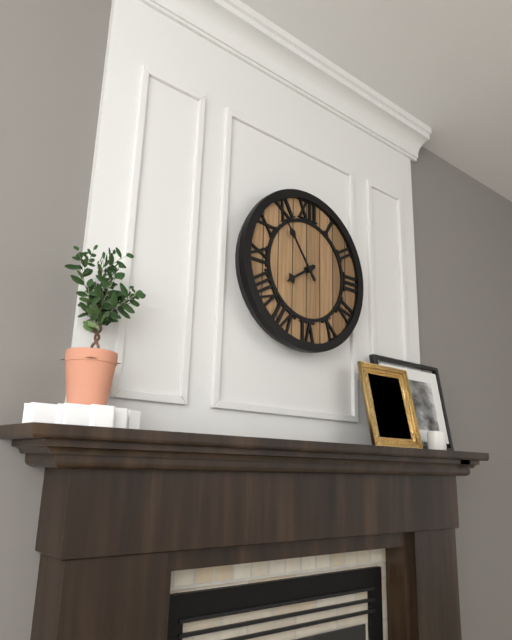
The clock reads **7:54**
